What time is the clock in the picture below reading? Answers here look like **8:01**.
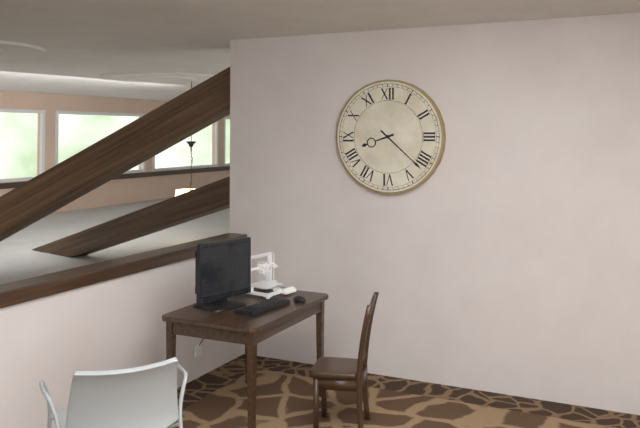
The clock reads **8:22**
